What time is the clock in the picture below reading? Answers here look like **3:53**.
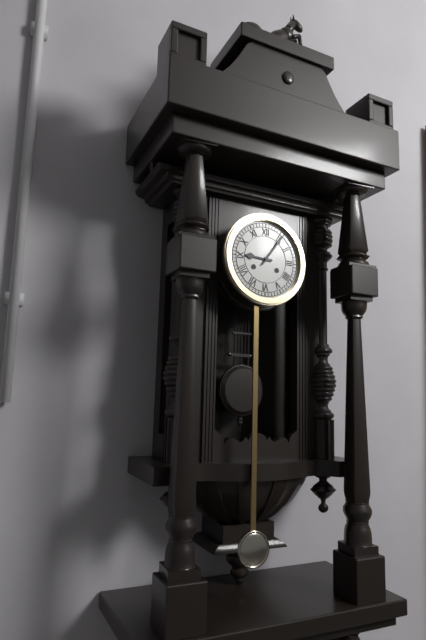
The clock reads **9:06**
